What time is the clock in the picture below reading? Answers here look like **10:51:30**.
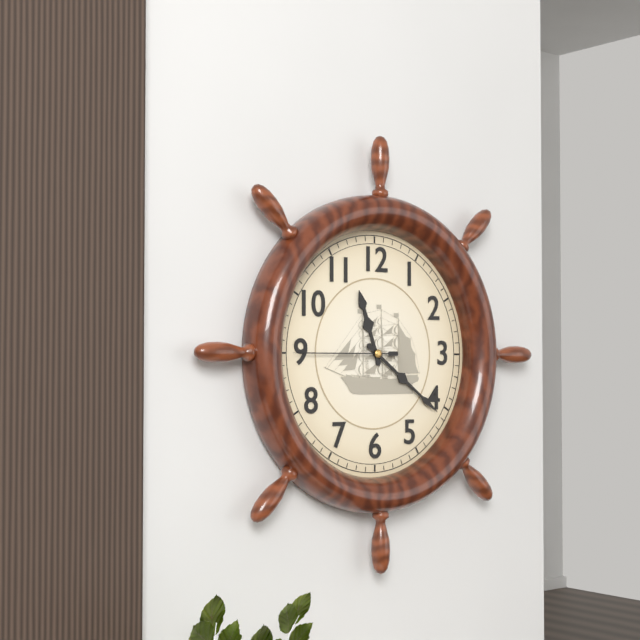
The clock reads **11:21:45**
